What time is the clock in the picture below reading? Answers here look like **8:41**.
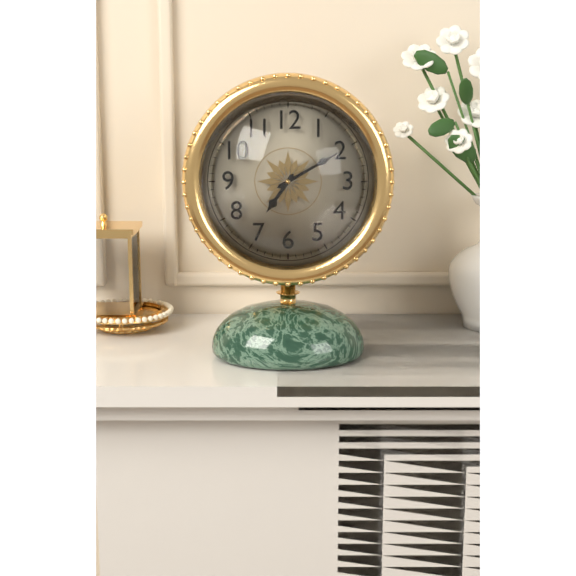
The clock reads **7:10**
